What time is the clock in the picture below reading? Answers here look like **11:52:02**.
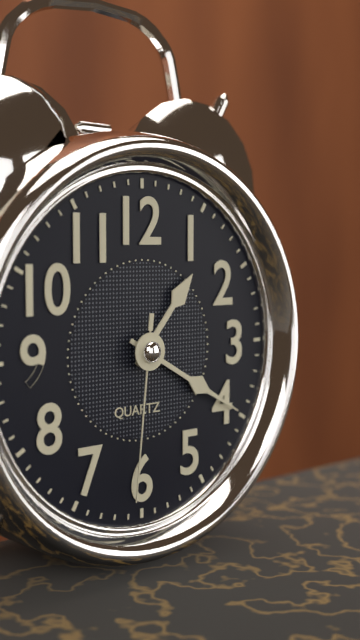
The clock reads **1:20:31**
